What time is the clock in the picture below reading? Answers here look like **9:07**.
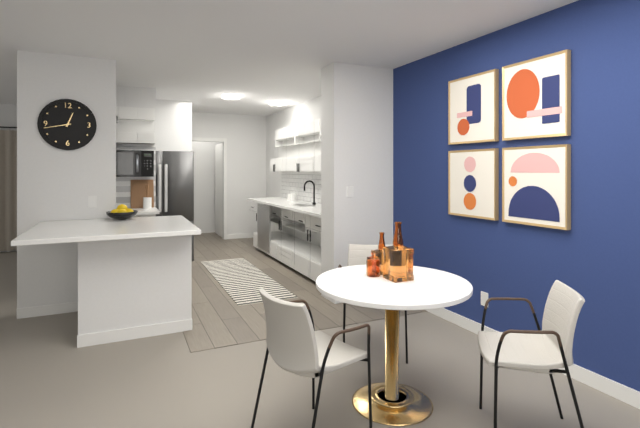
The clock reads **12:43**
